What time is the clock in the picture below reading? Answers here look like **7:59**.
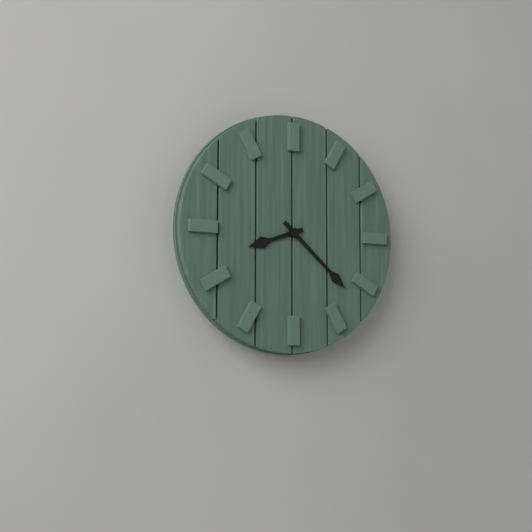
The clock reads **8:22**
